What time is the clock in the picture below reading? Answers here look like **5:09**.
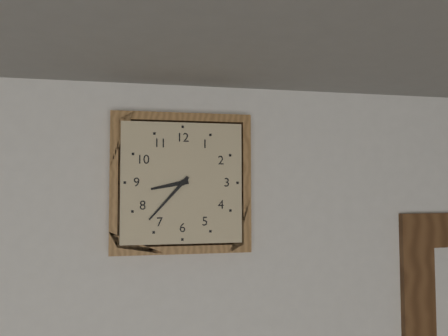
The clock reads **8:37**
